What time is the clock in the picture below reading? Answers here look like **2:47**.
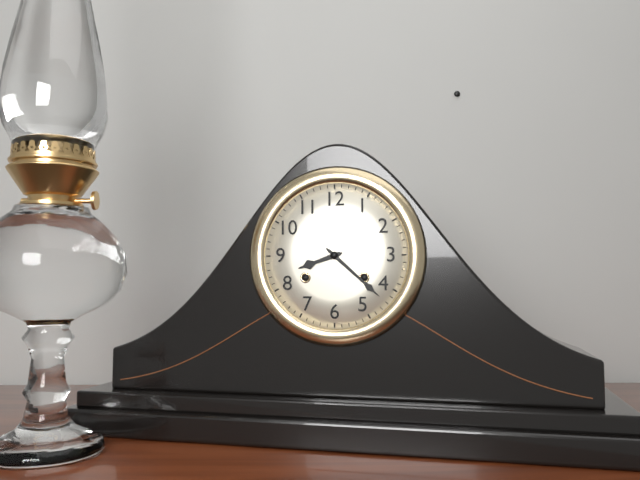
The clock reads **8:22**
